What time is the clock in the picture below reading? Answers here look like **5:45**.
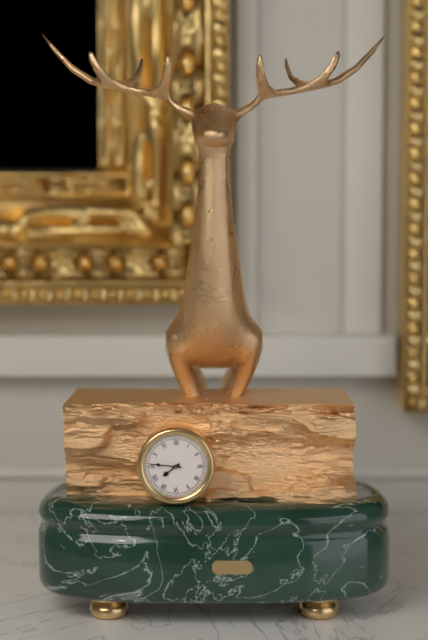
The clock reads **7:46**
